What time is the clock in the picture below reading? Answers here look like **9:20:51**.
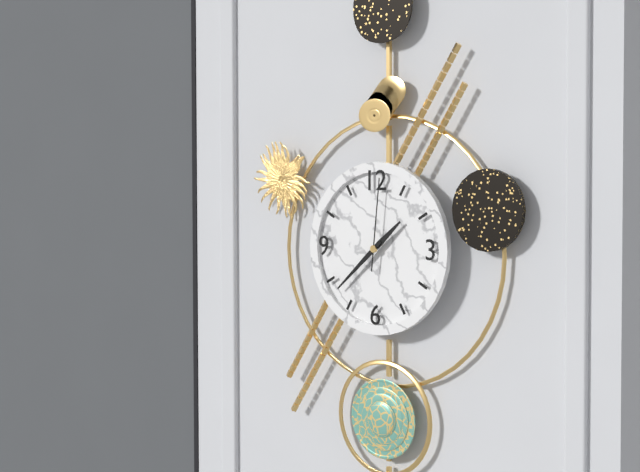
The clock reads **1:38:01**
